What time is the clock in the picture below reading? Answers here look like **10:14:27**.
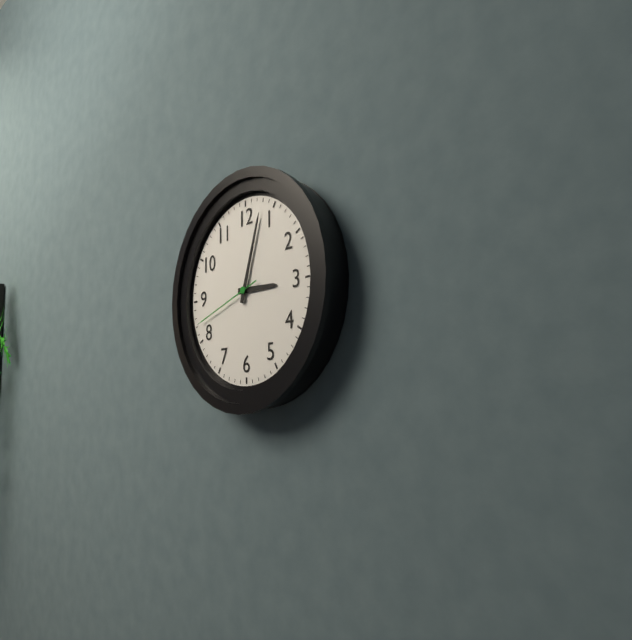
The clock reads **3:03:42**
